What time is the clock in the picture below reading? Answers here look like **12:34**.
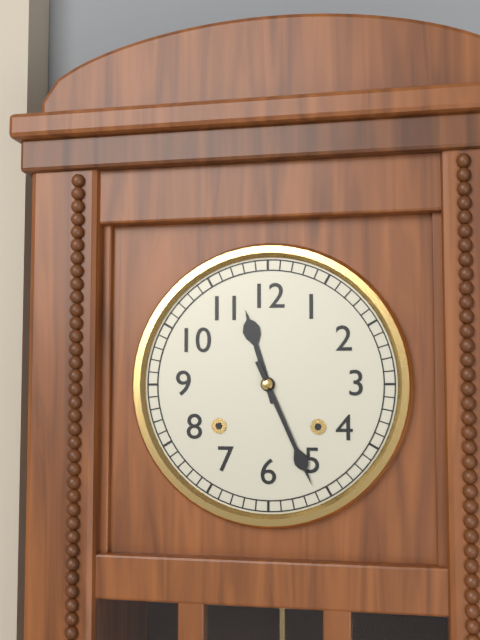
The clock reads **11:26**
